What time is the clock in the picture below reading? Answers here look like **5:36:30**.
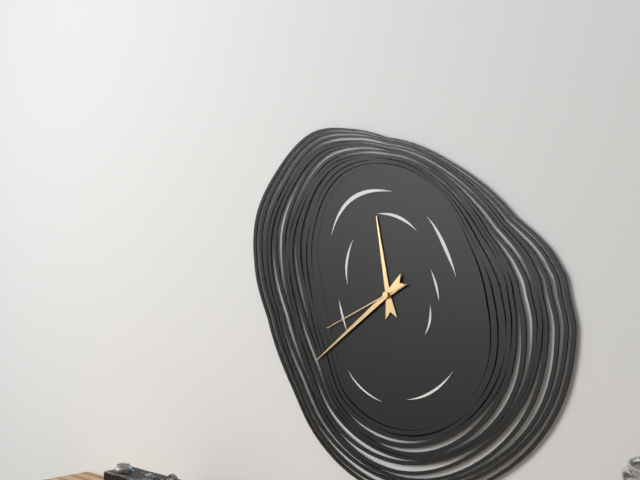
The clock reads **11:39:41**
